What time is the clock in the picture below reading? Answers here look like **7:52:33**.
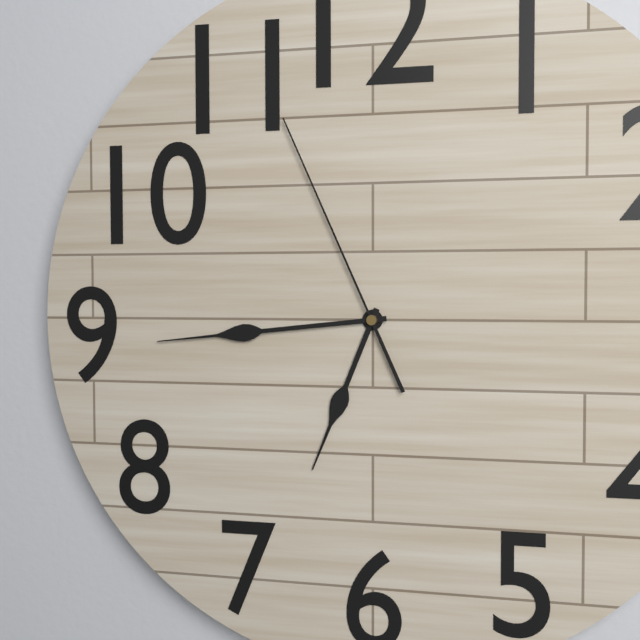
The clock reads **6:44:56**
